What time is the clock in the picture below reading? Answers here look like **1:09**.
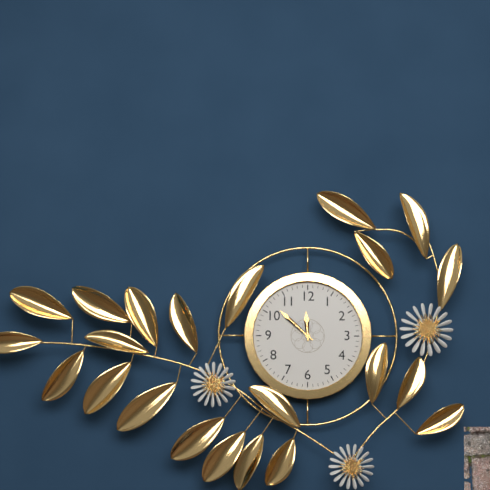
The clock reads **11:52**
